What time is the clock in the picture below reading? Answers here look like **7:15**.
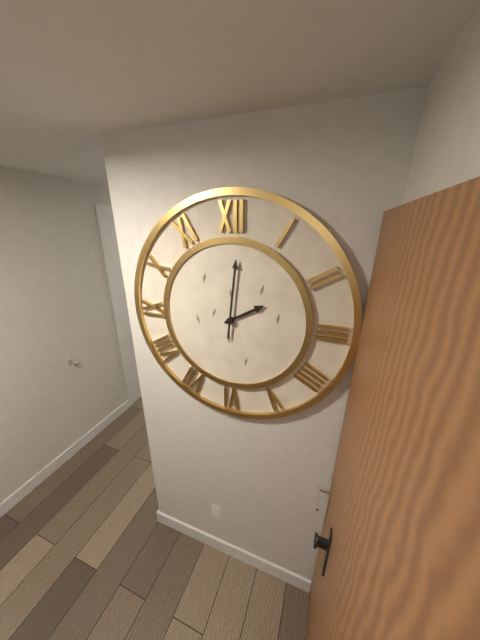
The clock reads **2:01**
